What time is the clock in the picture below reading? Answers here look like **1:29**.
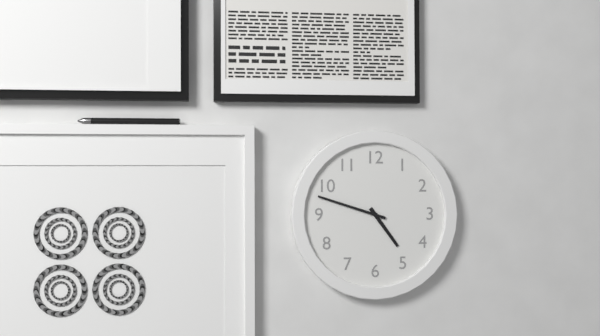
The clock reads **4:48**
